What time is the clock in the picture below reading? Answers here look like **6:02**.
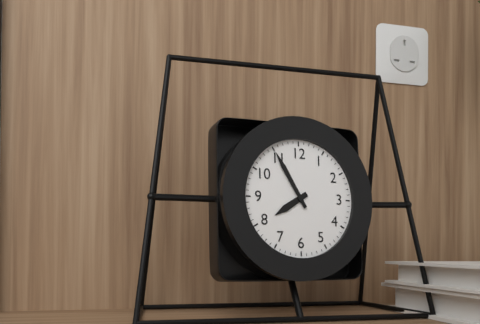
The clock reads **7:55**
